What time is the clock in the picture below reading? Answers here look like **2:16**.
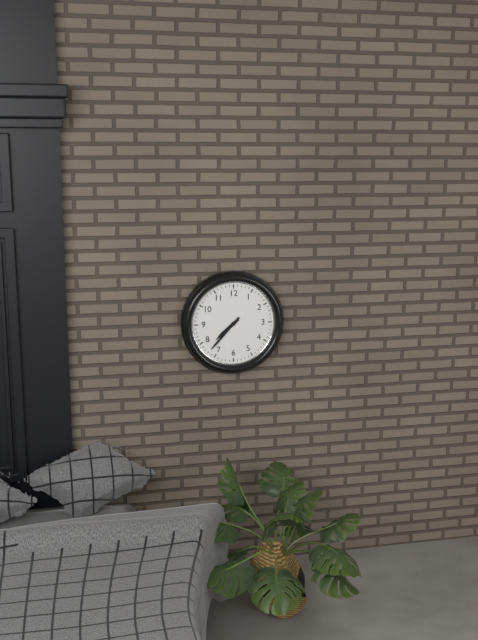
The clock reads **7:37**
